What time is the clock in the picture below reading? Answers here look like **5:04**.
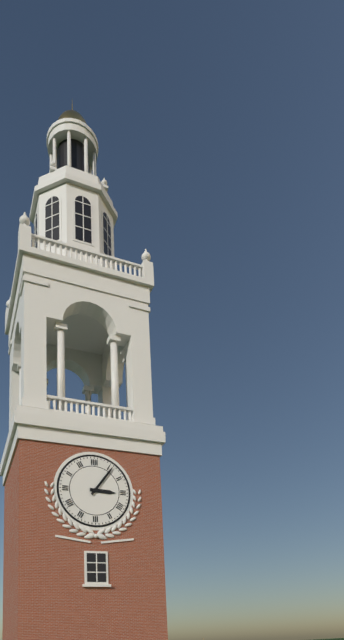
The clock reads **3:06**
